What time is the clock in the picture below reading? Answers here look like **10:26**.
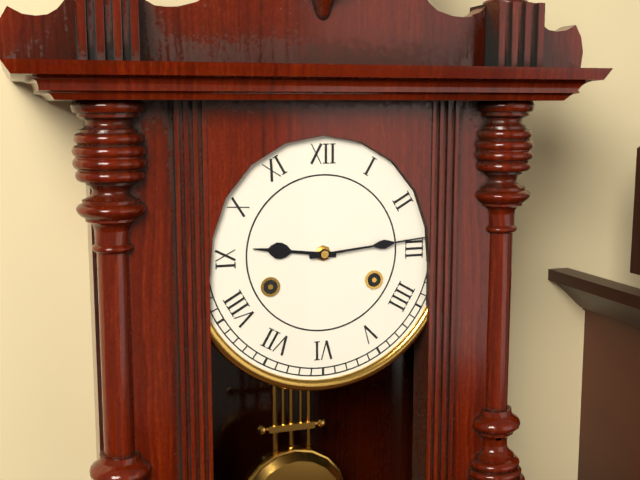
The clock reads **9:14**
